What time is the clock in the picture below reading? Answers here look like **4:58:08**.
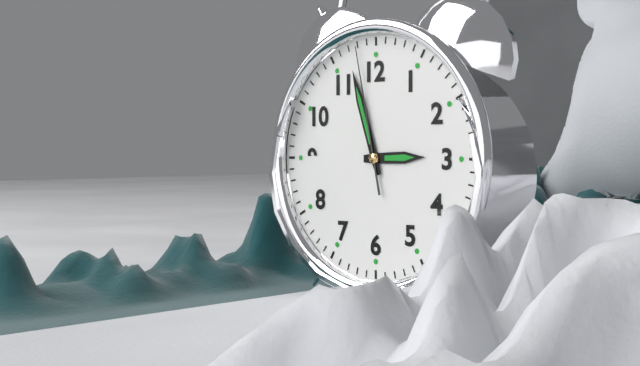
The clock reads **2:57:58**
